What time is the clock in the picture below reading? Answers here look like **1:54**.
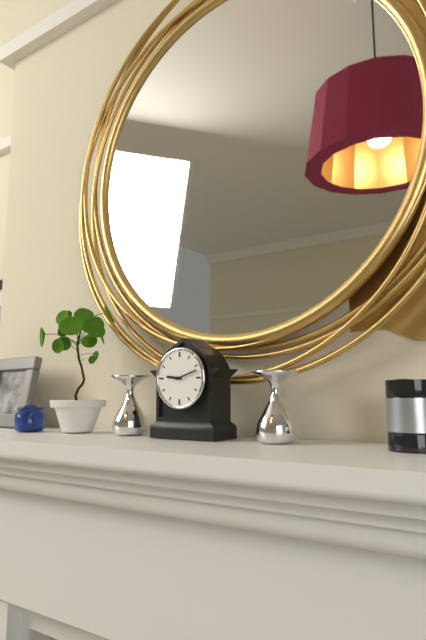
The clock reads **9:12**
